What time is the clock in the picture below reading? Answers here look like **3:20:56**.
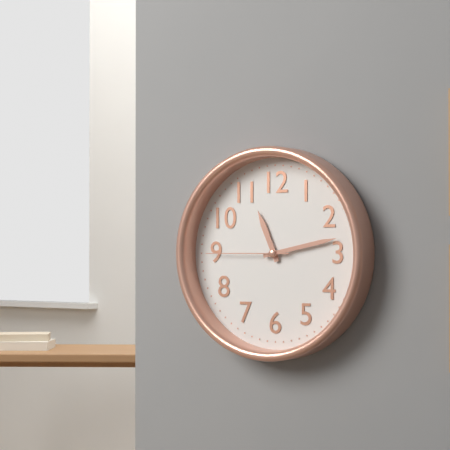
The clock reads **11:13:45**
